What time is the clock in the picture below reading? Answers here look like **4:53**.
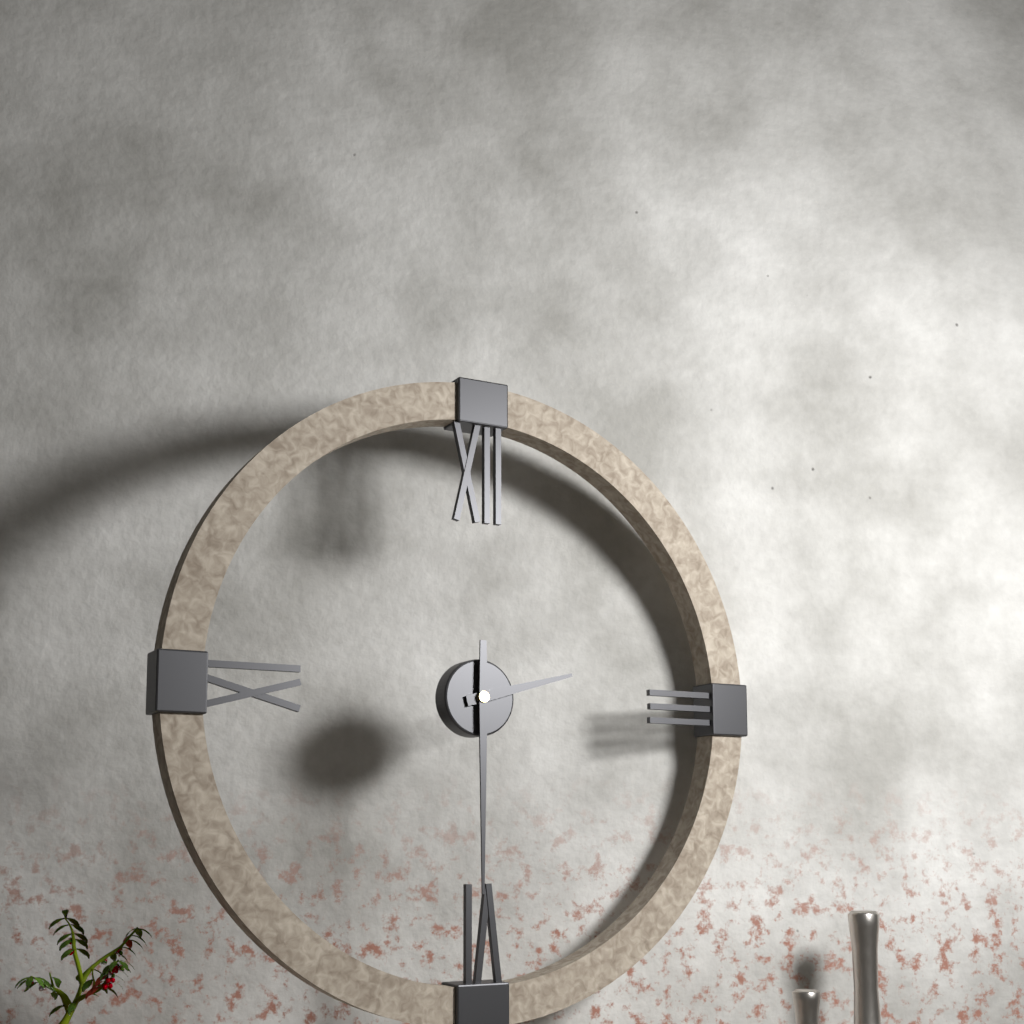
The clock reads **2:30**
